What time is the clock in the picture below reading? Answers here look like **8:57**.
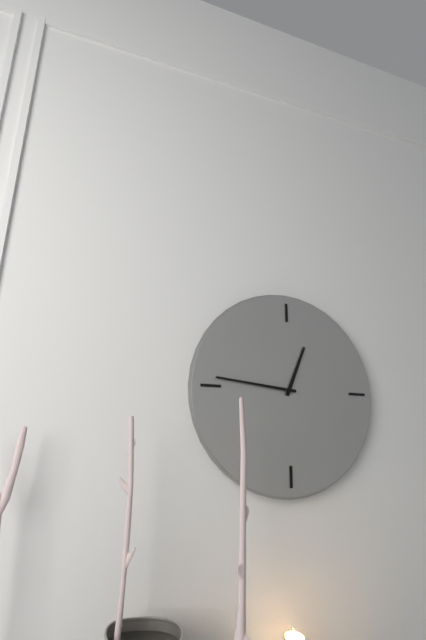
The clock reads **12:46**
